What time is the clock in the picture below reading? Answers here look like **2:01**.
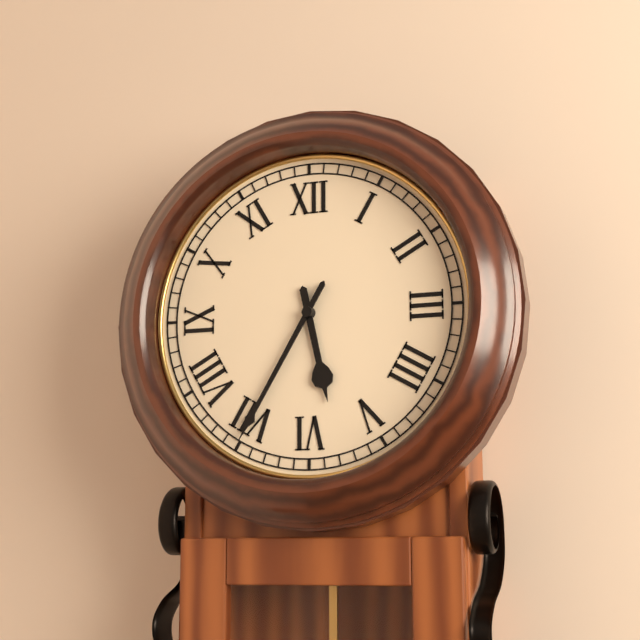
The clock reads **5:35**
